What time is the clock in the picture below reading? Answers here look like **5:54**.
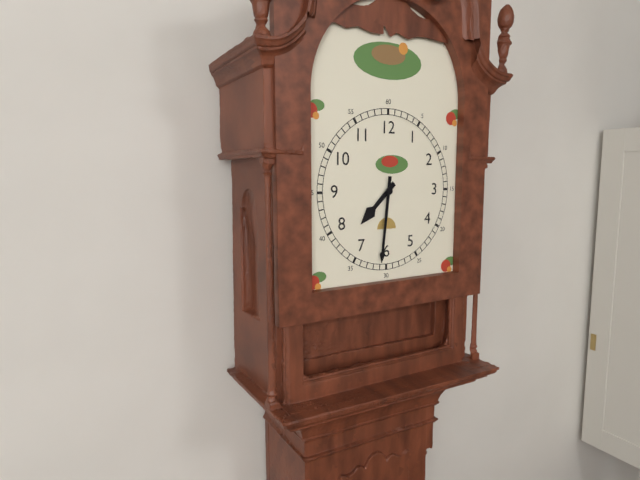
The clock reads **7:31**
